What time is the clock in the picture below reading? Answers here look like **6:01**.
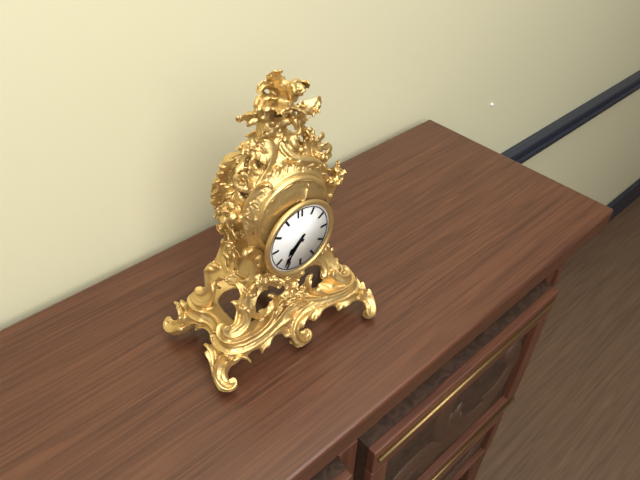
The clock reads **7:37**
